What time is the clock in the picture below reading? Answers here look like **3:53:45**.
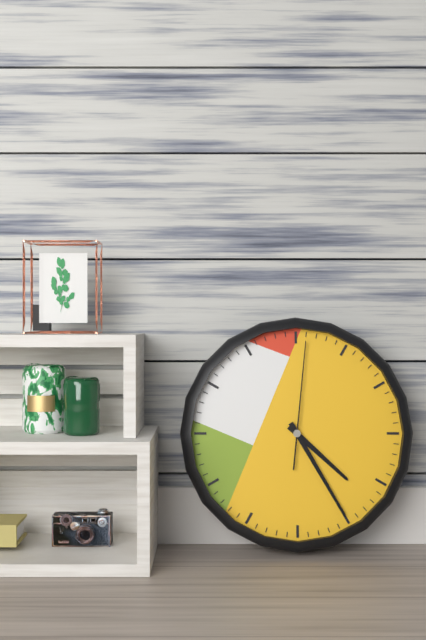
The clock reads **4:25:01**
